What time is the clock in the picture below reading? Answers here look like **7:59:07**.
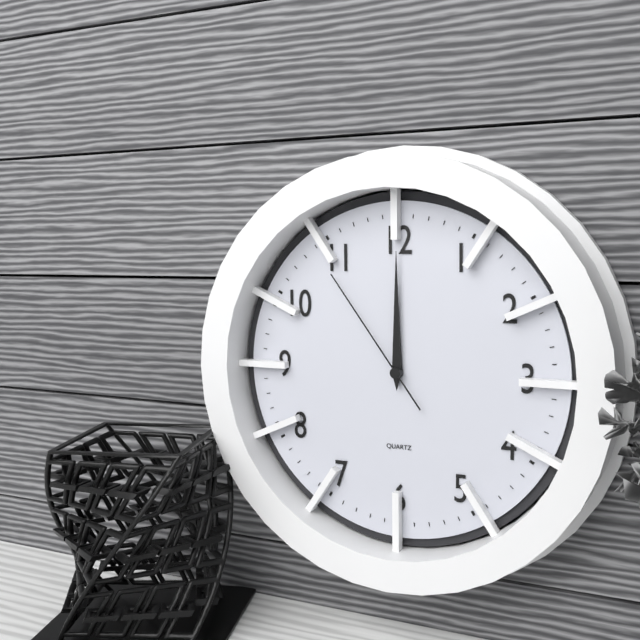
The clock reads **12:00:54**
